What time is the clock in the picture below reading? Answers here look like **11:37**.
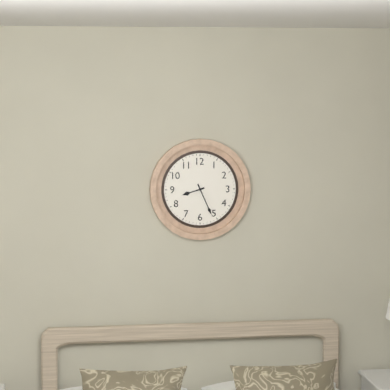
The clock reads **8:26**
